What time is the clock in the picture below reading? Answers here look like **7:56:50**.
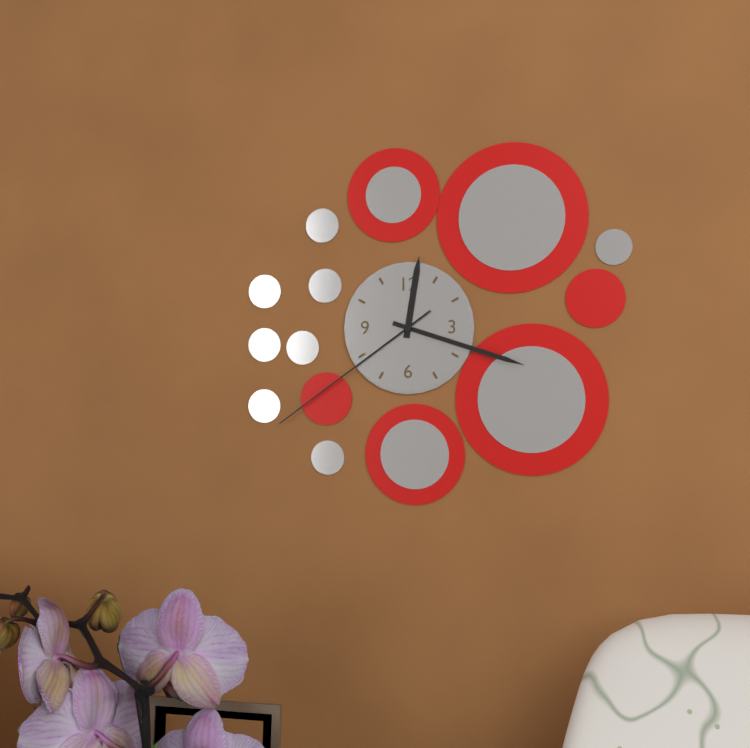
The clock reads **12:18:39**
